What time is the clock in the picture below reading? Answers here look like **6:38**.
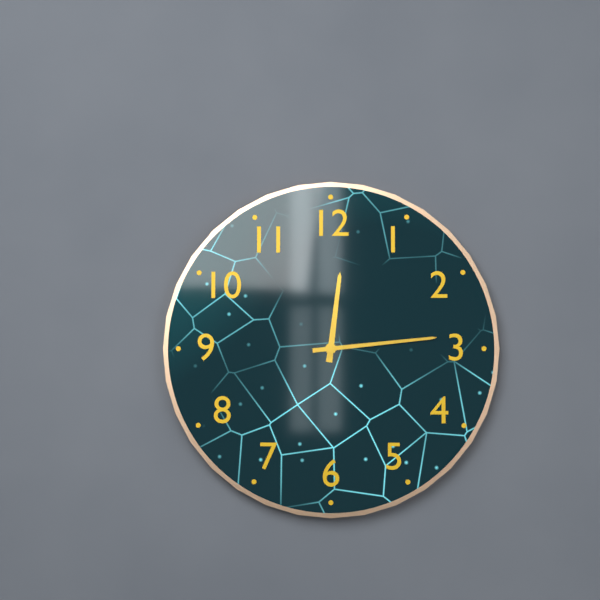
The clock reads **12:14**
